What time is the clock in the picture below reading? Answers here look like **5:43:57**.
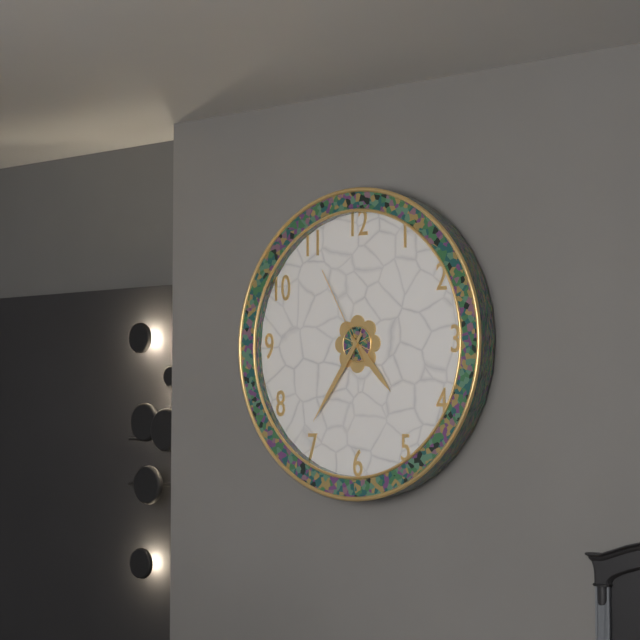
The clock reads **4:36:55**
